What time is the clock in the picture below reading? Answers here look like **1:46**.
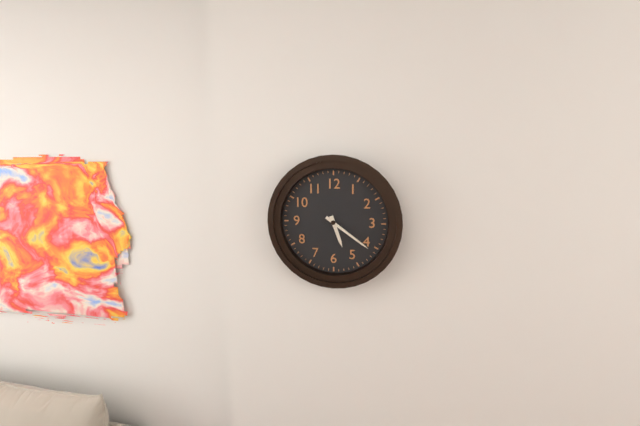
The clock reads **5:21**
